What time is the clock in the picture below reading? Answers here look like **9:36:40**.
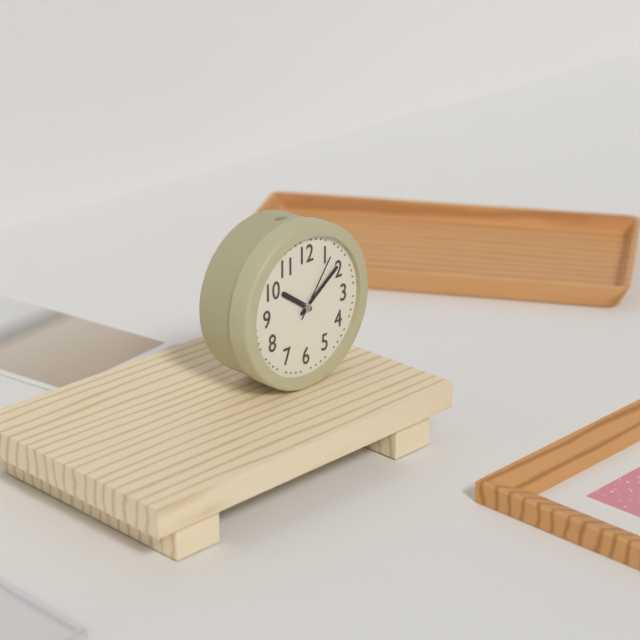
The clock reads **10:09:06**
